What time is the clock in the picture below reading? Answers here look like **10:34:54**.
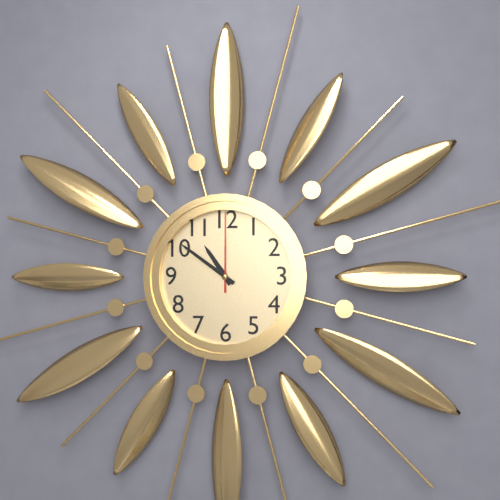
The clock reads **10:51:00**
